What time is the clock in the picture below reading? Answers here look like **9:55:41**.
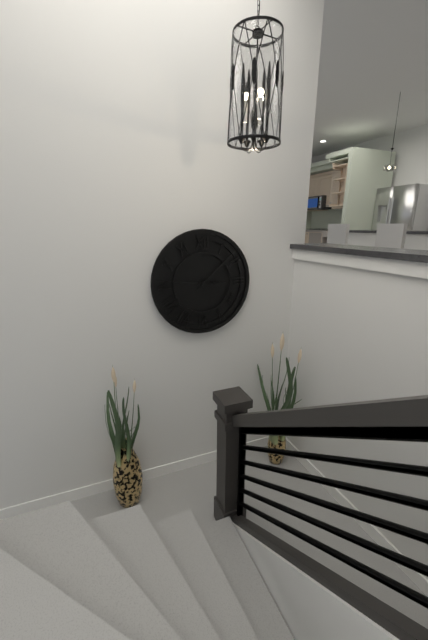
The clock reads **3:08:46**
